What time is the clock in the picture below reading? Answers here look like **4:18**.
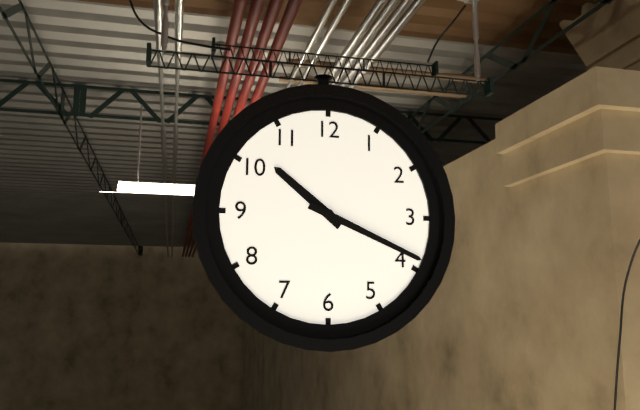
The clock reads **10:19**
